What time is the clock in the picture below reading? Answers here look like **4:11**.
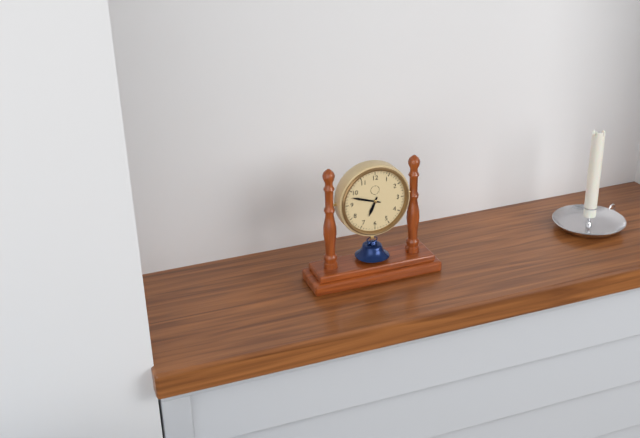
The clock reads **6:48**
